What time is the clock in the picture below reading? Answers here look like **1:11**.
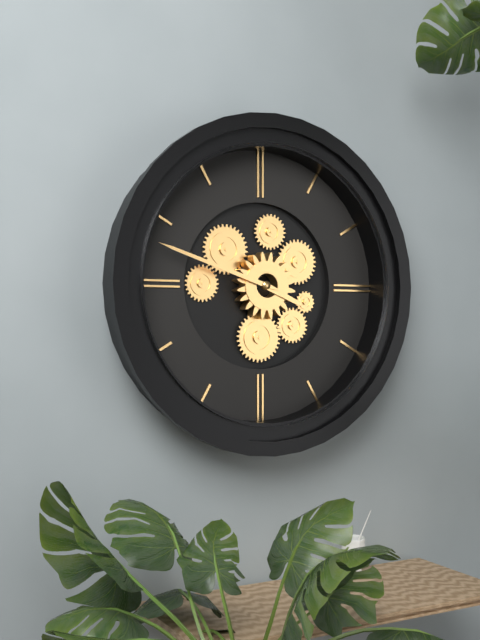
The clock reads **3:48**
